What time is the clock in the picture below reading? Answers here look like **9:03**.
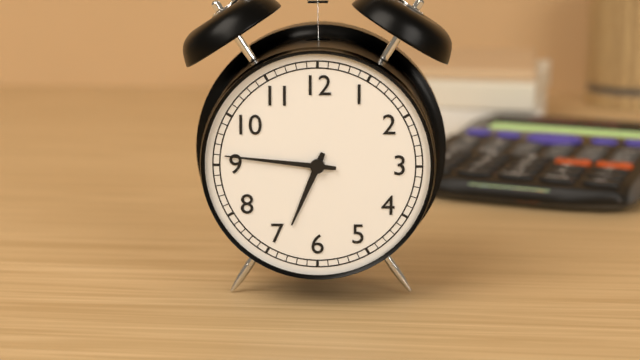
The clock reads **6:46**
